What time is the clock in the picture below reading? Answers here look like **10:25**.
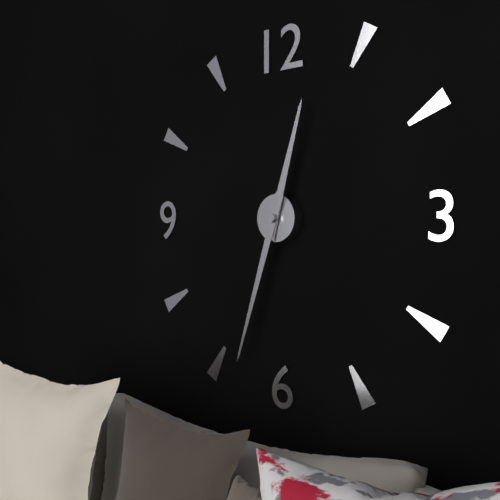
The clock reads **12:33**
